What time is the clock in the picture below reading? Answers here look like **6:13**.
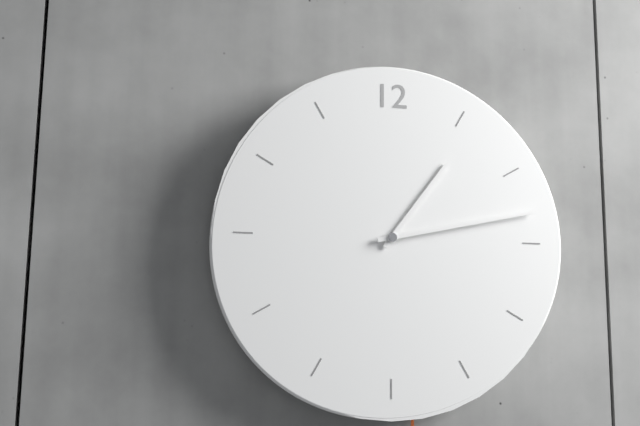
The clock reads **1:13**
